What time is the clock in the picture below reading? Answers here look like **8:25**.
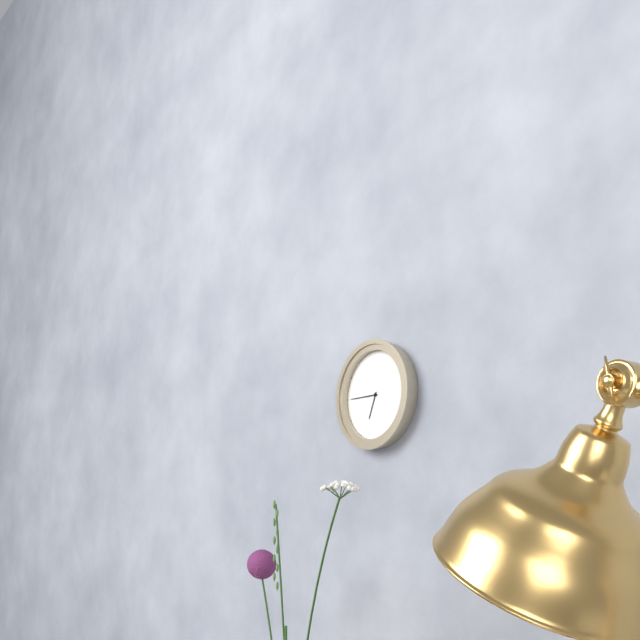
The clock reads **6:45**
